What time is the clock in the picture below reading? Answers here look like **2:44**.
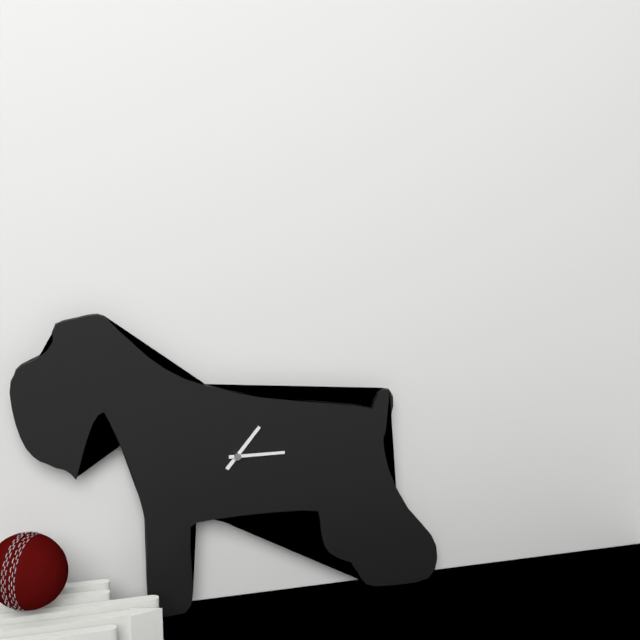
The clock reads **1:15**
